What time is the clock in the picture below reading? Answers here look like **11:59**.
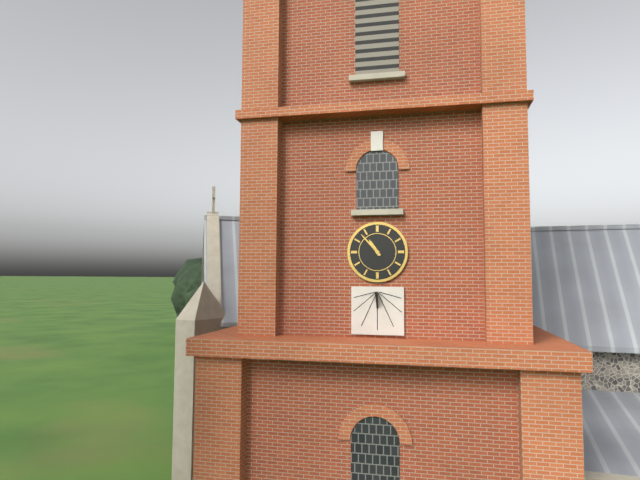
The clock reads **10:53**
